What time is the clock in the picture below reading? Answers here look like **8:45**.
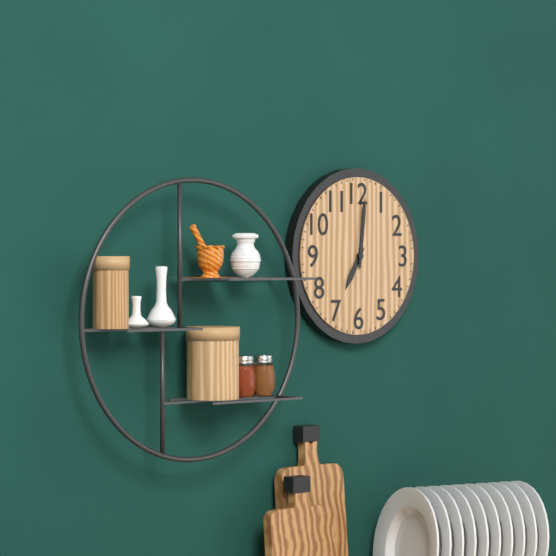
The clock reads **7:01**
